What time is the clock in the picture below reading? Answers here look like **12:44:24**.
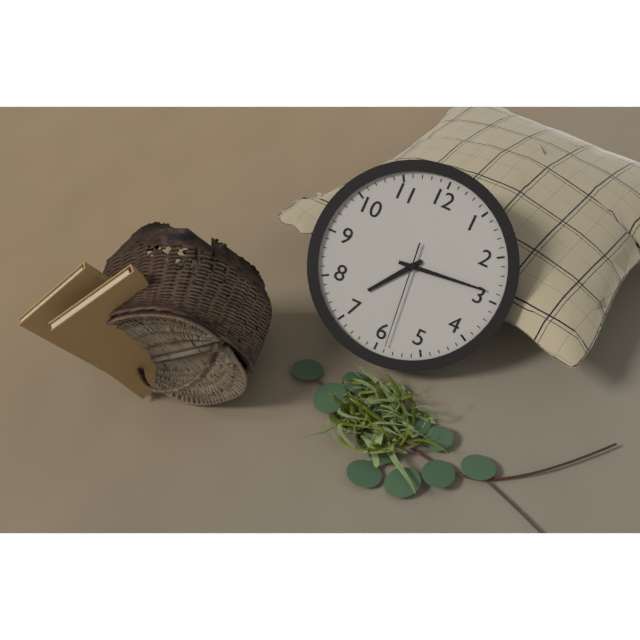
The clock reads **7:14:29**
